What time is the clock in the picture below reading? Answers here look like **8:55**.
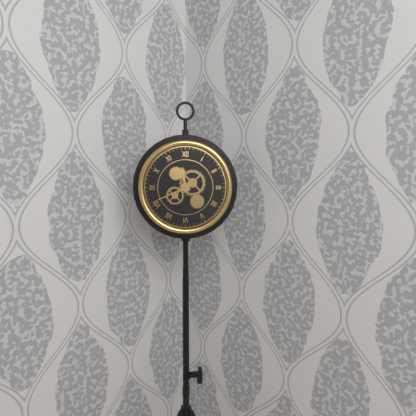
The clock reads **11:41**
